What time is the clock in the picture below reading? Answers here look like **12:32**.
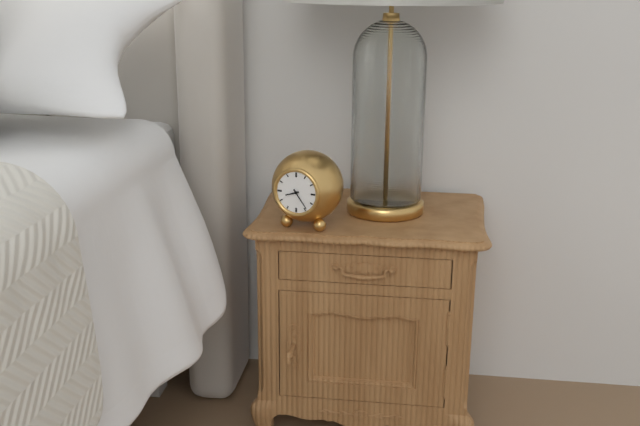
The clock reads **8:24**
